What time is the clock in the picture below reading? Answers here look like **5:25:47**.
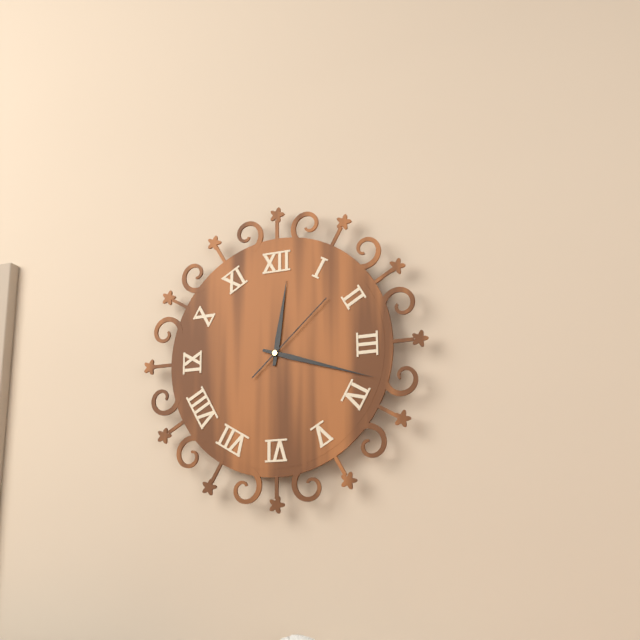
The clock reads **12:18:08**
